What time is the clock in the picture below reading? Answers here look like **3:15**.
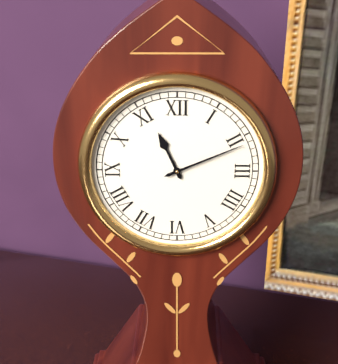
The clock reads **11:11**
